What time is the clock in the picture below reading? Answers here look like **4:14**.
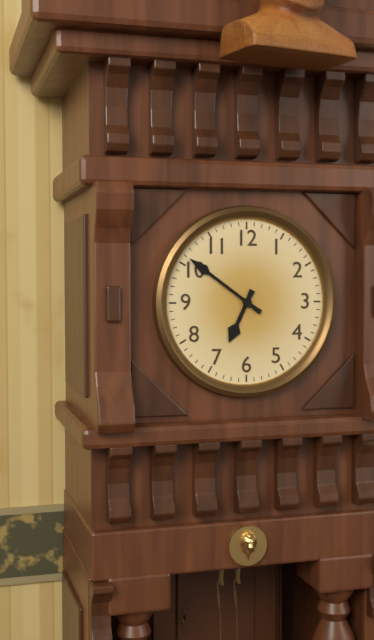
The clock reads **6:51**
